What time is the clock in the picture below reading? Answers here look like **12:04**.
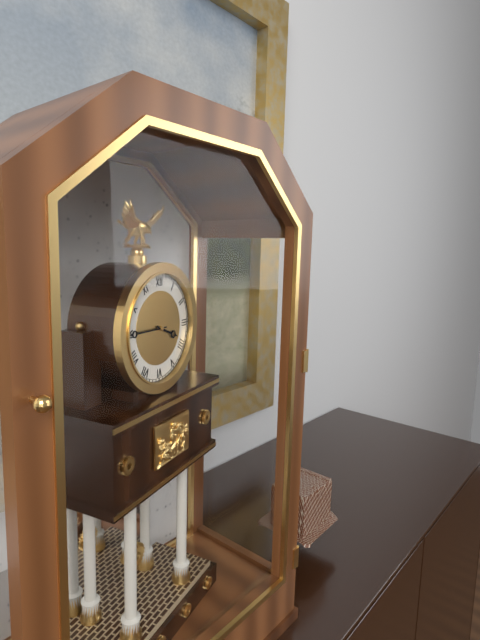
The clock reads **3:45**
